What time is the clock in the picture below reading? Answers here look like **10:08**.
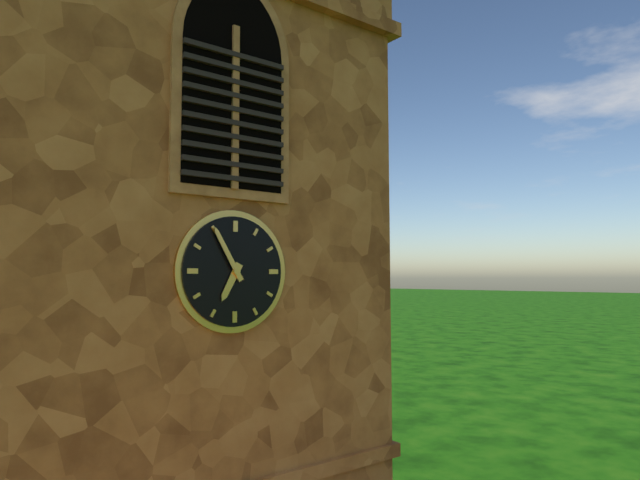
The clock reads **6:55**
